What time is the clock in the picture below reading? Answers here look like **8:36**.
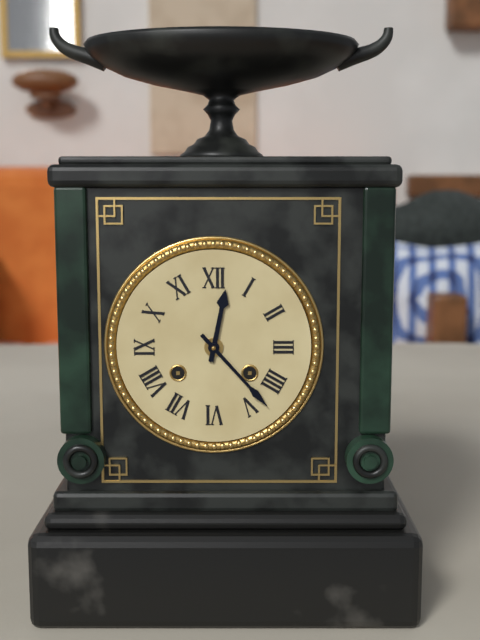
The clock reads **12:23**
